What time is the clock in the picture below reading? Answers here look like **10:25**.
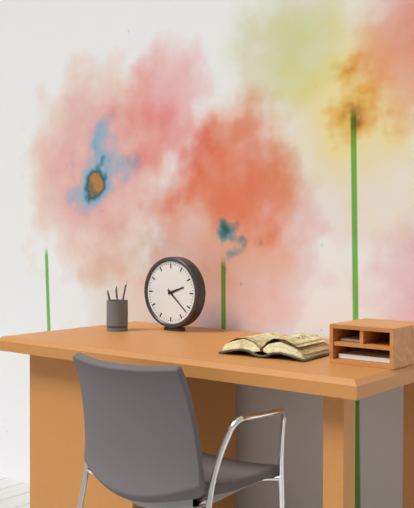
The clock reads **2:22**
